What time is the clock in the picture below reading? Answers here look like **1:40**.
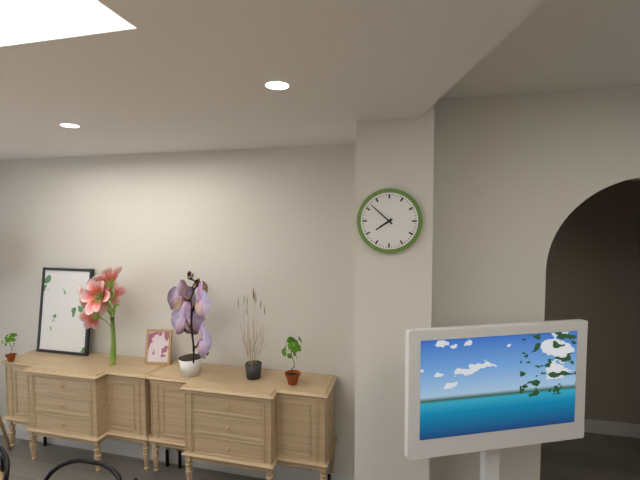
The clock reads **7:52**
